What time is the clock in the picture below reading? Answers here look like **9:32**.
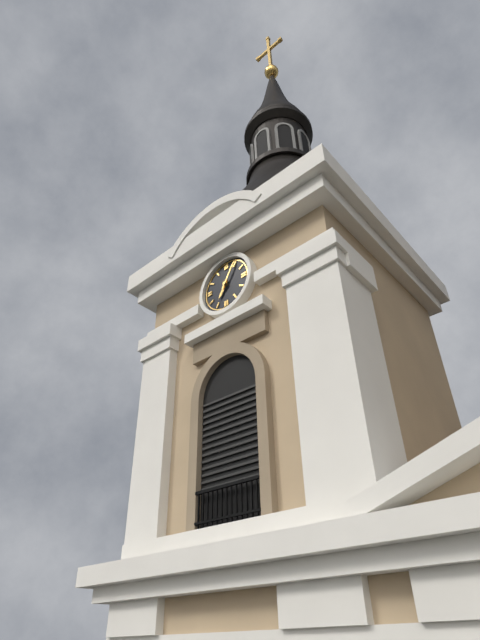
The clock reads **7:05**
